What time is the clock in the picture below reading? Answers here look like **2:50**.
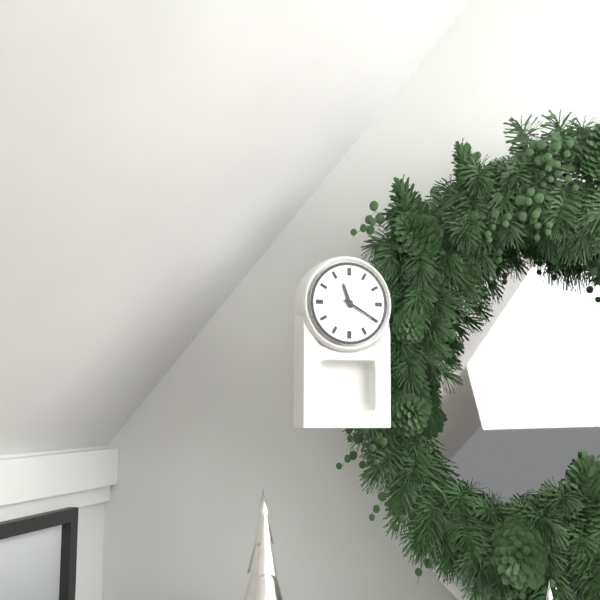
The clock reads **11:20**
